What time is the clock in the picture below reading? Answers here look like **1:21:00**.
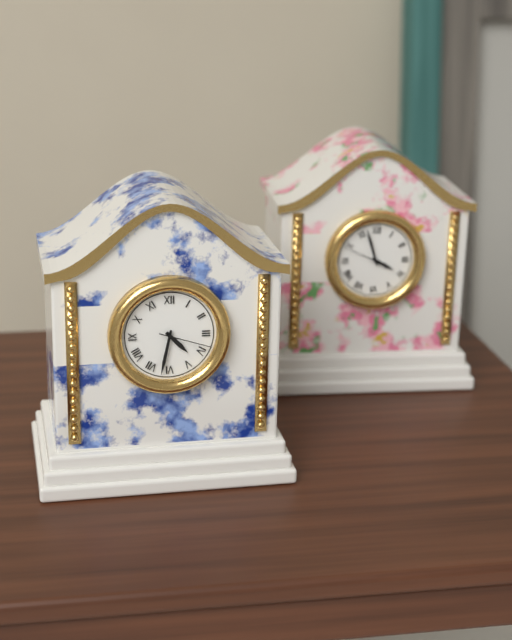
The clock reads **4:32:18**
